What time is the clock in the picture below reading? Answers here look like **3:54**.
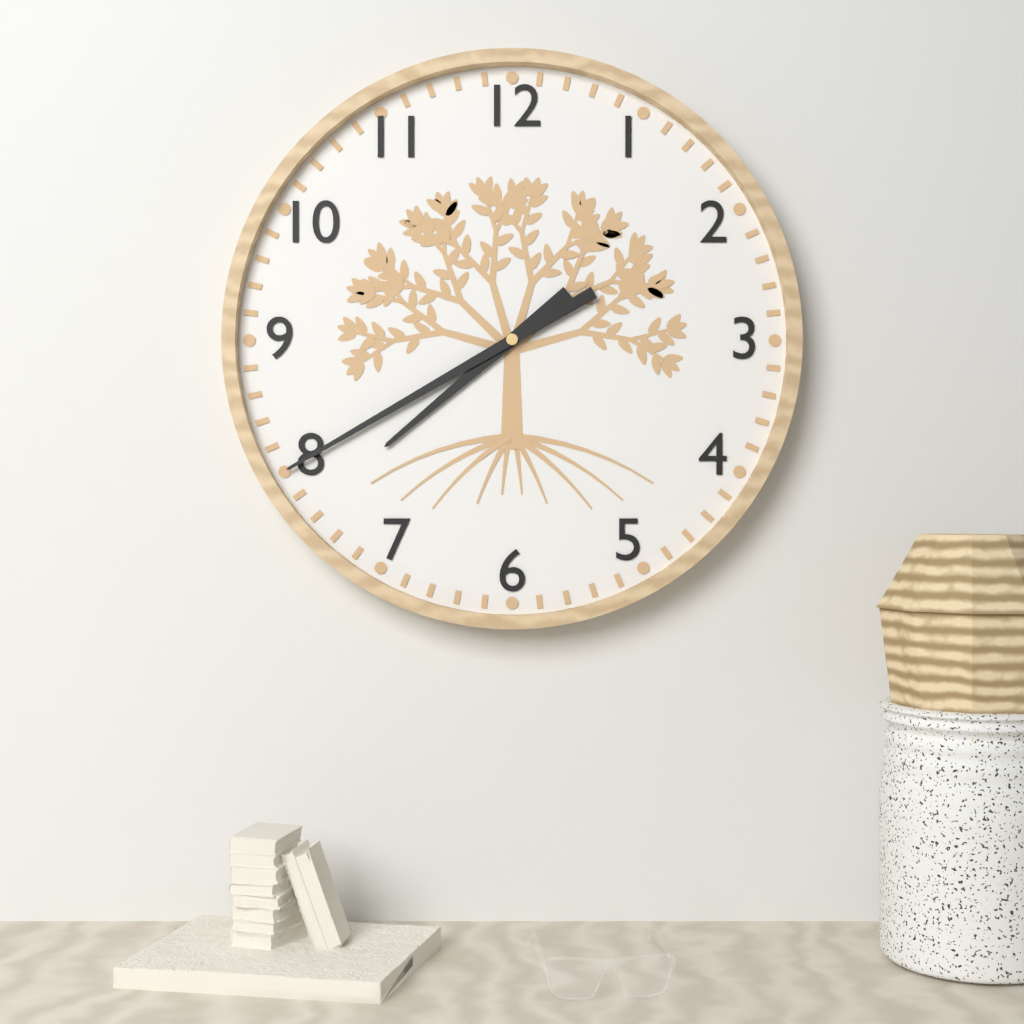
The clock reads **7:40**
